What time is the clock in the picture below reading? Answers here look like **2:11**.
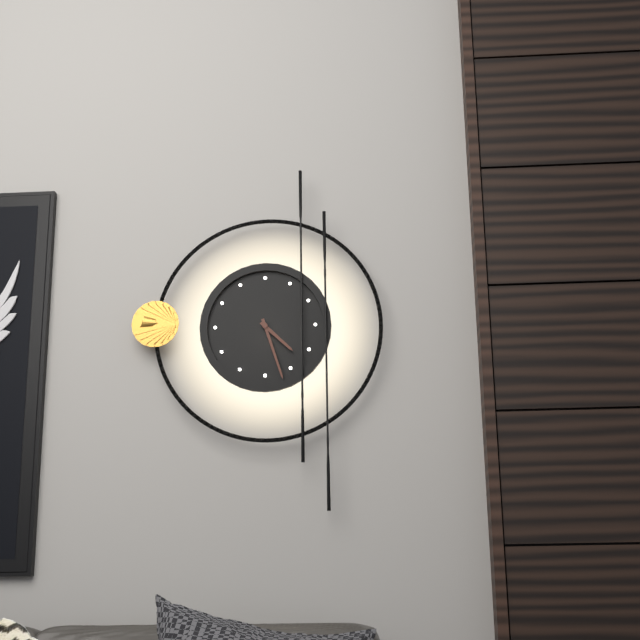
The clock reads **4:27**
